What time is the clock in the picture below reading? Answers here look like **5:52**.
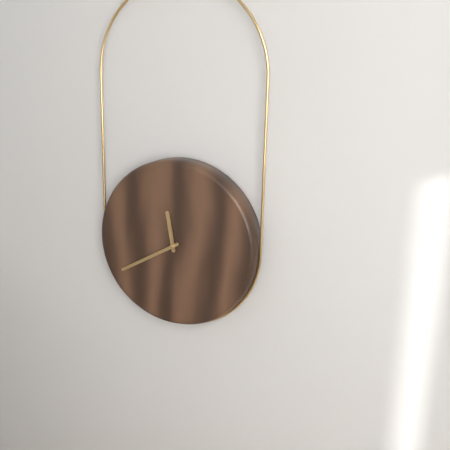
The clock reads **11:40**
